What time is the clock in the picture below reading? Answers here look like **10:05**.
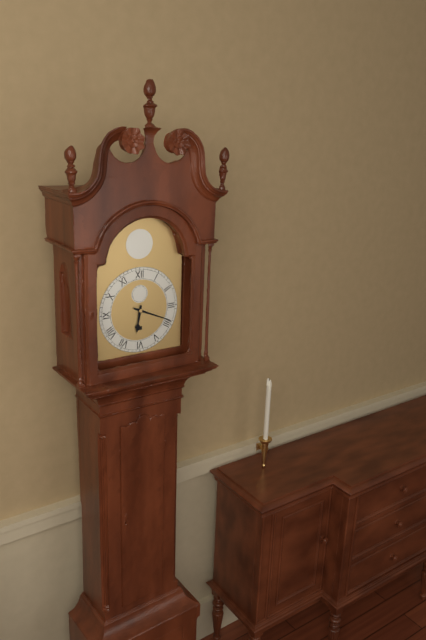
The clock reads **6:19**
